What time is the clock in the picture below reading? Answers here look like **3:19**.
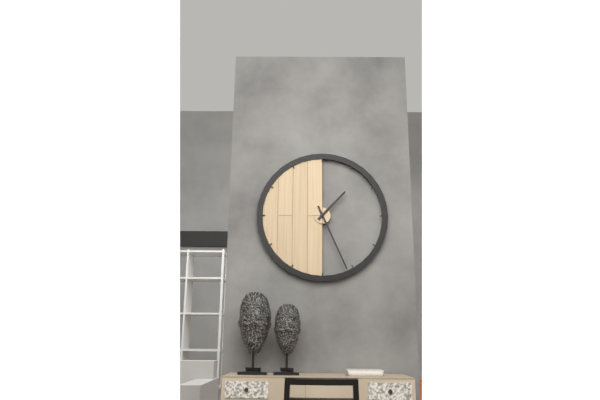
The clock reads **1:26**
